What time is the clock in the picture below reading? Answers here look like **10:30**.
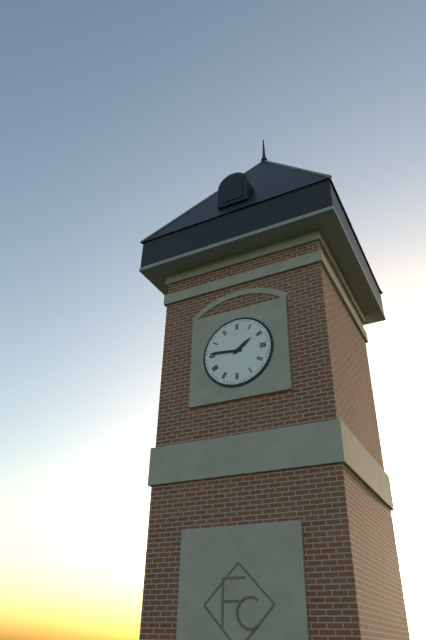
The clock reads **1:46**
